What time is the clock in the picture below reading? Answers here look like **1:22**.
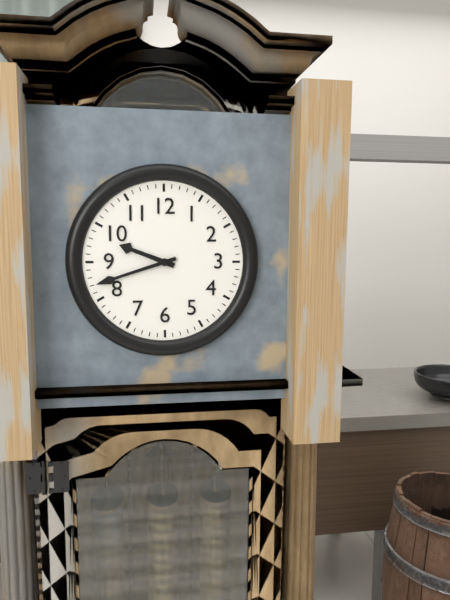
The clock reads **9:42**
